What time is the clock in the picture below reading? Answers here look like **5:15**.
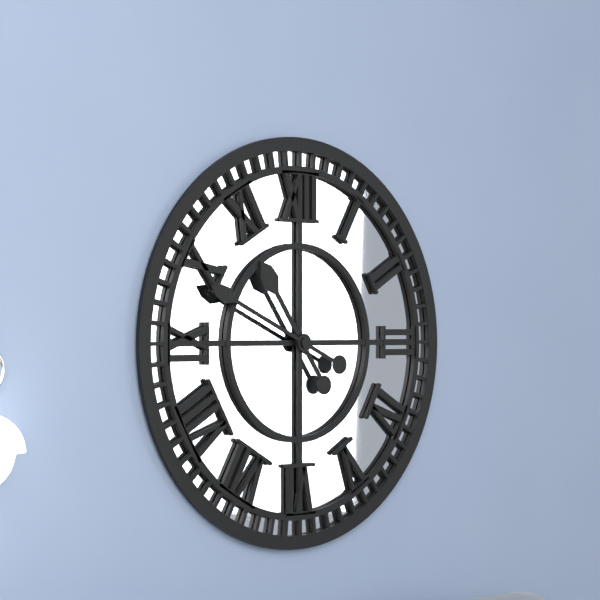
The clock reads **10:49**
